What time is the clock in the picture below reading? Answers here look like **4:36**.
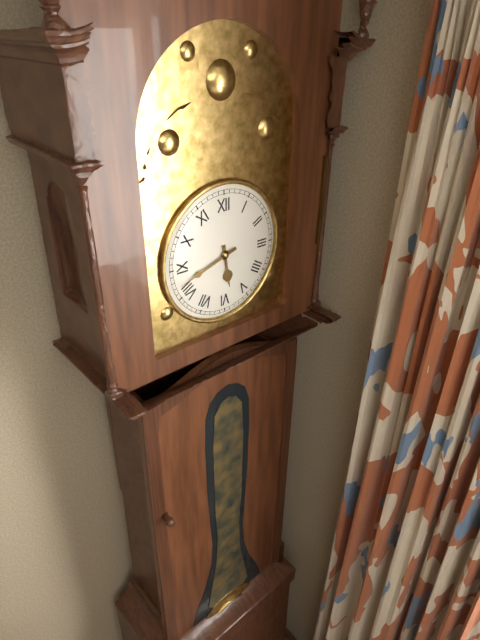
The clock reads **5:42**
